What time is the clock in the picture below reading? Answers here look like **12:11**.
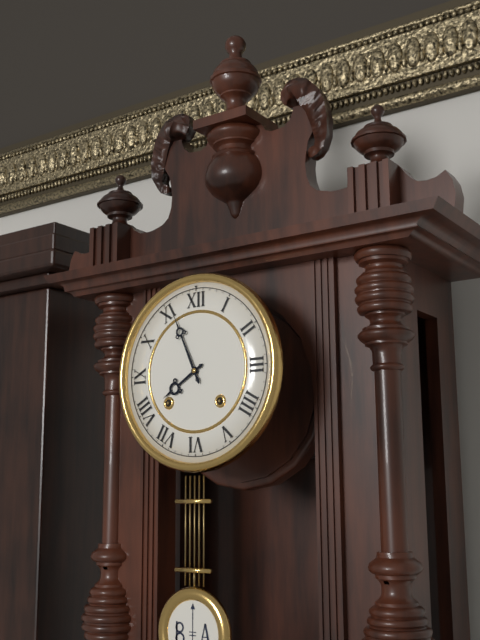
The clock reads **7:56**
